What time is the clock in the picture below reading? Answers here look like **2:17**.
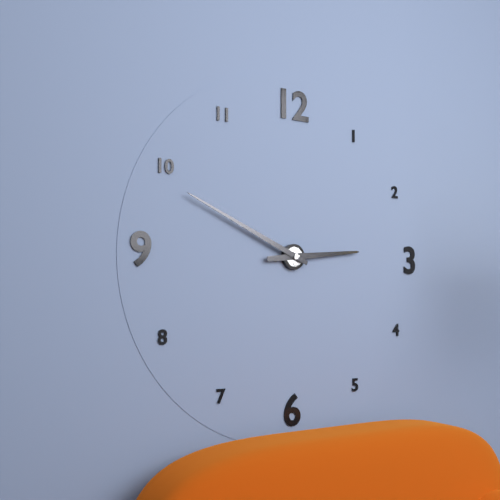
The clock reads **2:49**
